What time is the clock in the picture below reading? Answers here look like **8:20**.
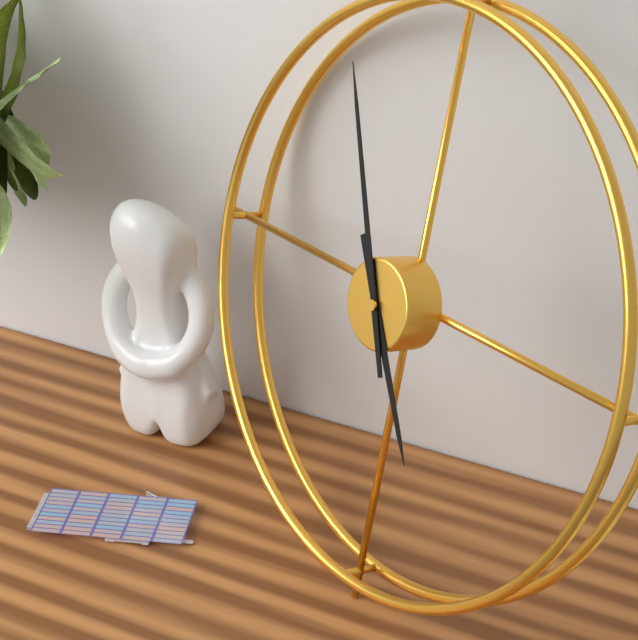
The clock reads **4:56**
